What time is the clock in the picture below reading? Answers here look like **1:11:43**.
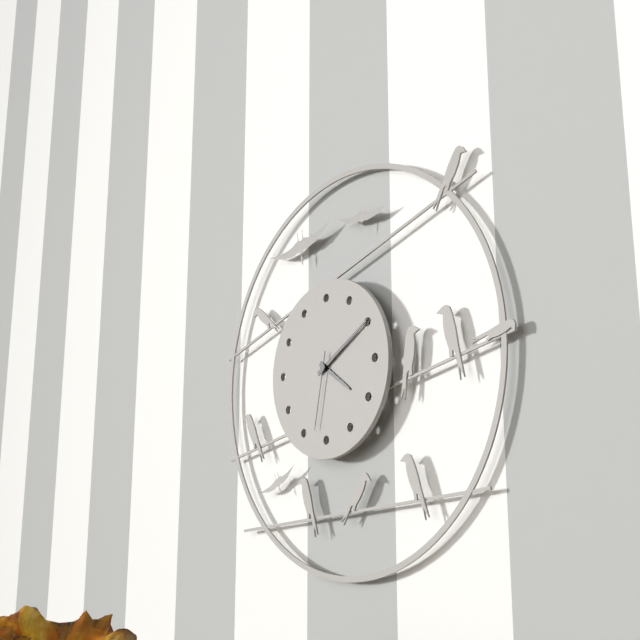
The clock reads **4:10:32**
